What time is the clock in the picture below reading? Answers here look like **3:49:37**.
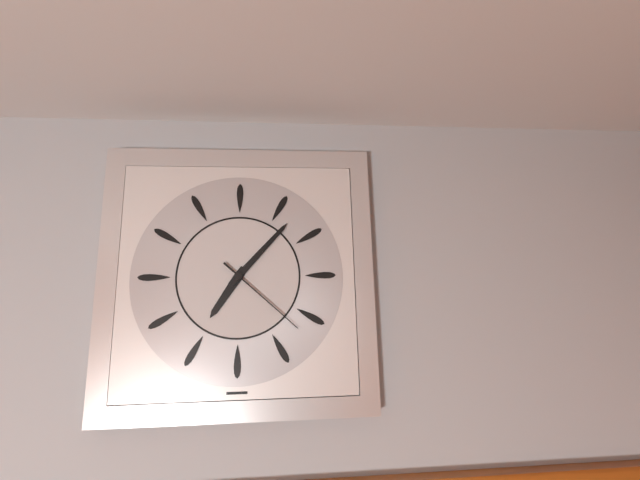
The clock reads **7:07:22**
